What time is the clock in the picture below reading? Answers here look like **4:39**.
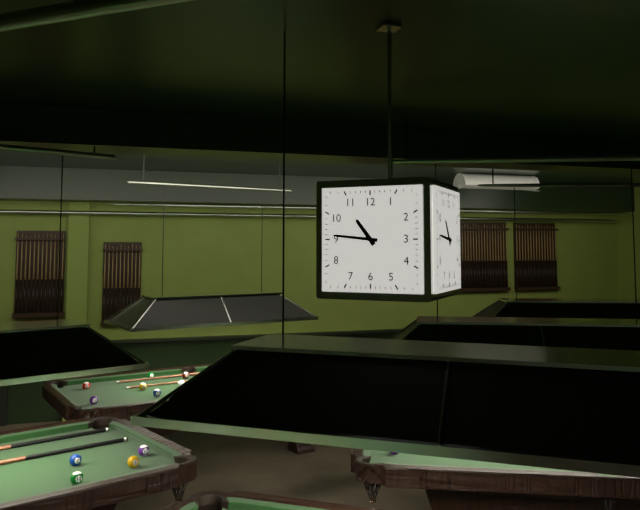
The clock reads **10:46**
